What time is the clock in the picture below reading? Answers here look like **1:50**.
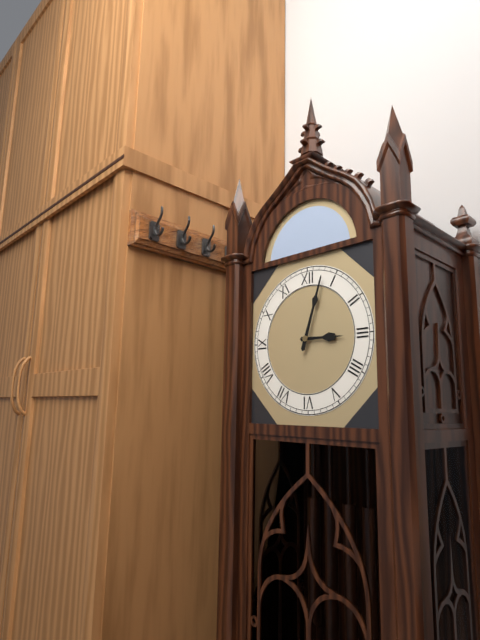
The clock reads **3:03**
